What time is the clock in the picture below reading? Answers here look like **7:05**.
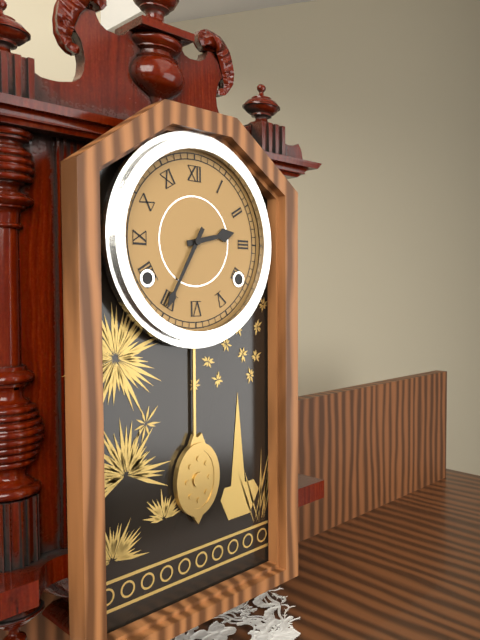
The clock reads **2:35**
